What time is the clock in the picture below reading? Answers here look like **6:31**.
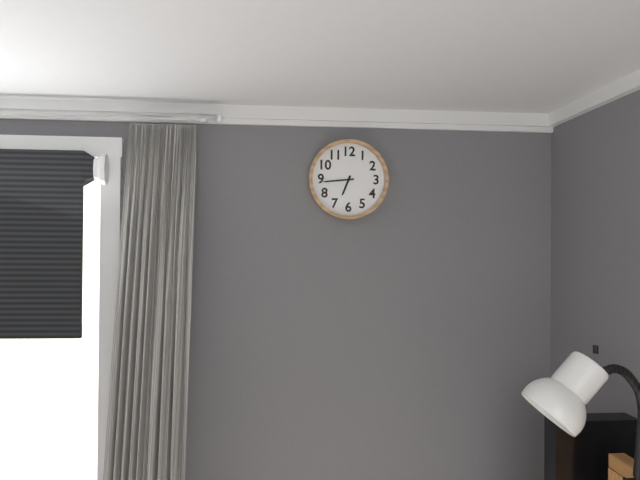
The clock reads **6:44**
